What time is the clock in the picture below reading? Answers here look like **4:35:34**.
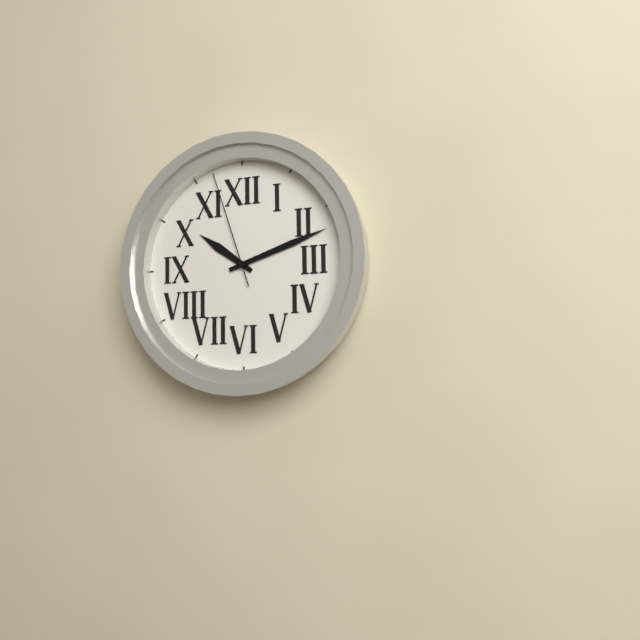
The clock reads **10:12:57**
